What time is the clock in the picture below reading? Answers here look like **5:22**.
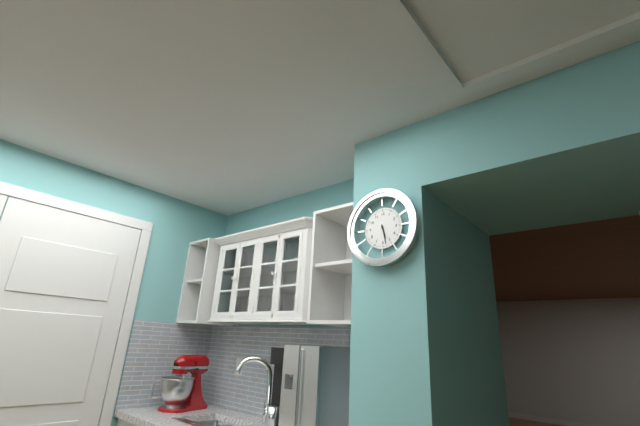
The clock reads **5:28**
